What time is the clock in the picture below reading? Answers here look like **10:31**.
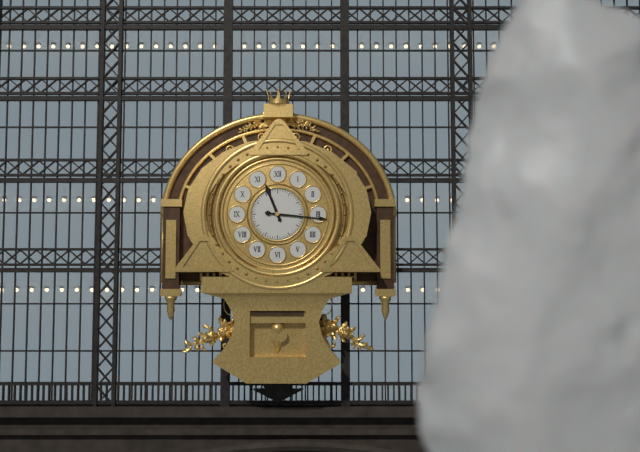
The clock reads **11:16**
